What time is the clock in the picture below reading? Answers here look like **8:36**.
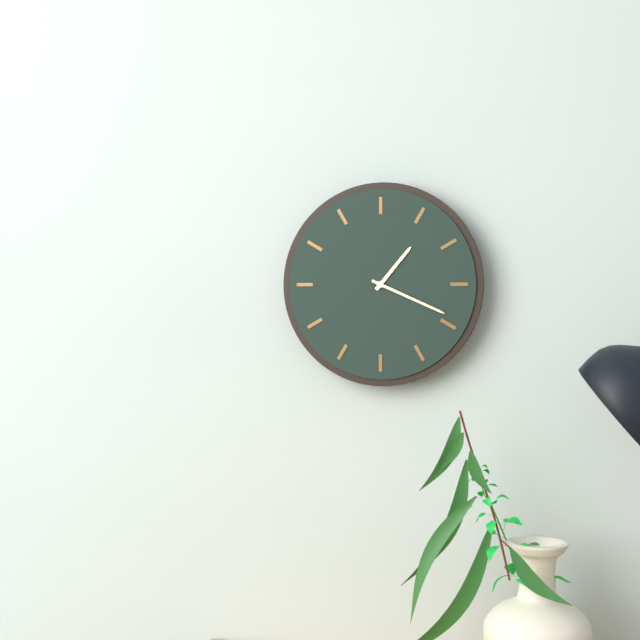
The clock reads **1:19**
